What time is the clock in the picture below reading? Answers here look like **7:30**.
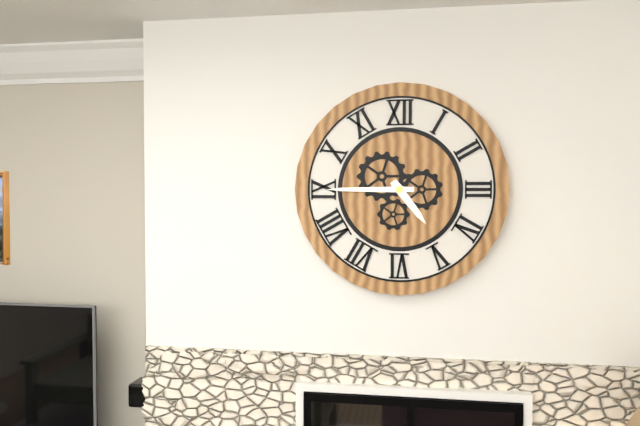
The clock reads **4:45**
